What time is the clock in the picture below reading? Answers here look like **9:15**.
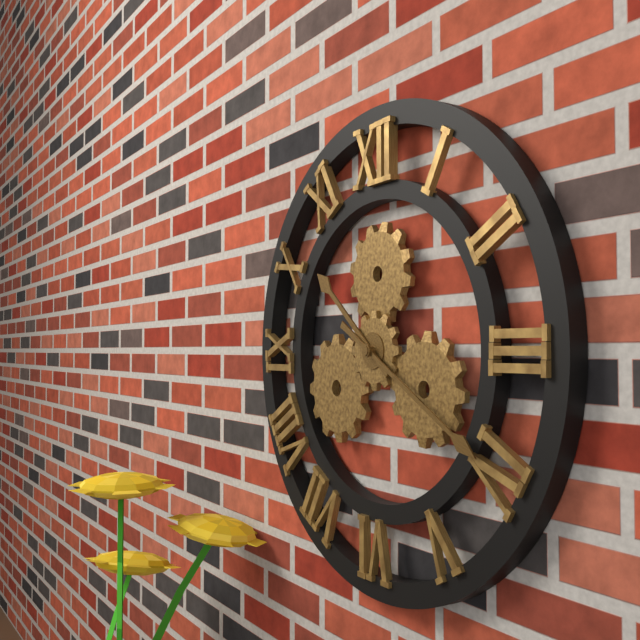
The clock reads **10:20**
